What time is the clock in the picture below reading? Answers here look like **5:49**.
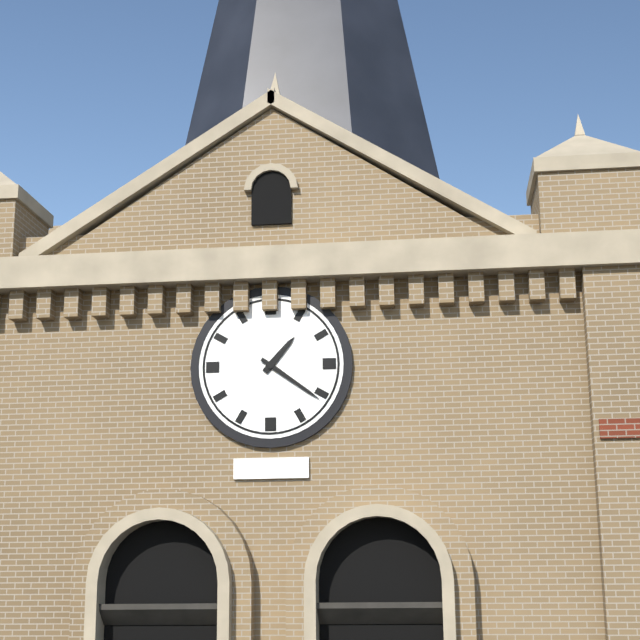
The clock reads **1:21**
